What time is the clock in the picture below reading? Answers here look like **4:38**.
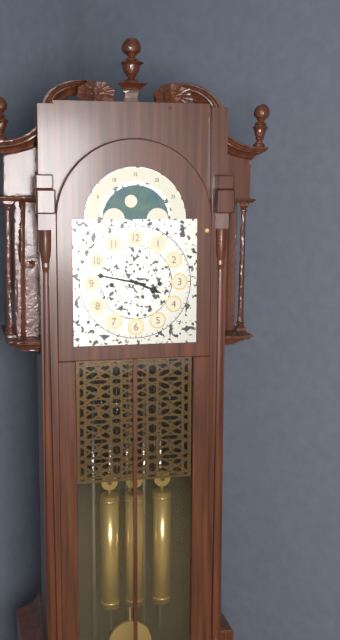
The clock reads **3:47**
